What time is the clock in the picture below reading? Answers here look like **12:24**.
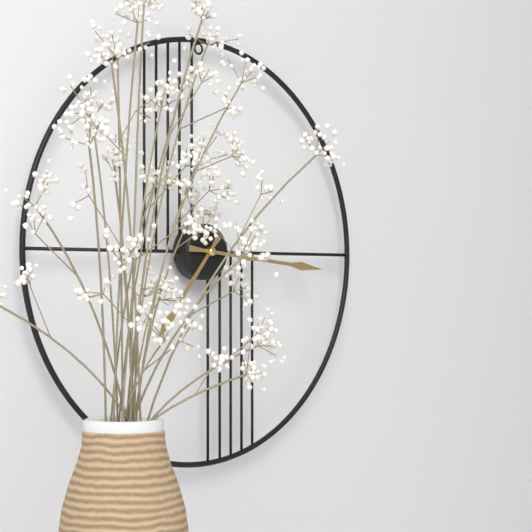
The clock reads **7:16**
